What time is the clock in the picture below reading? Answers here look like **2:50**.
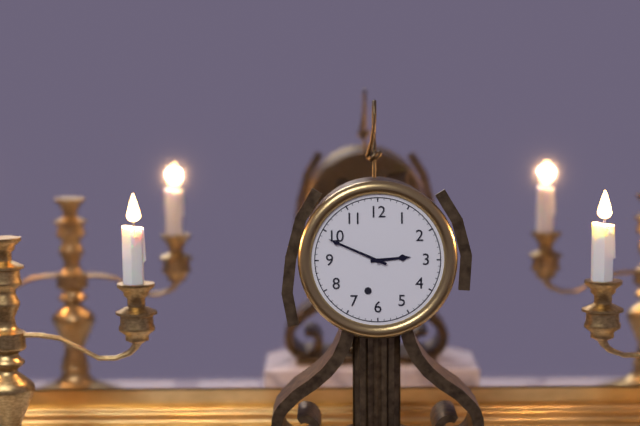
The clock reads **2:49**
